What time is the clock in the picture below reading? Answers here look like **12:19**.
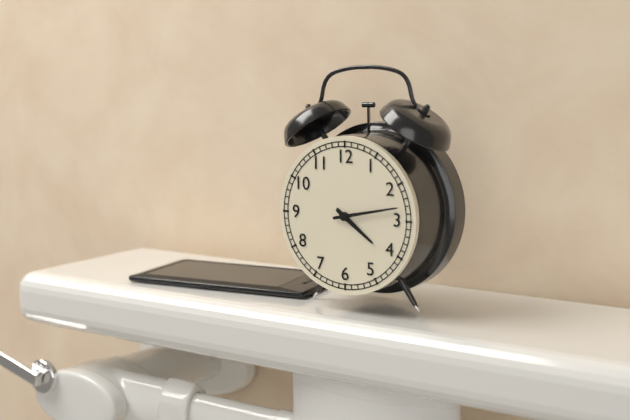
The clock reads **4:13**
